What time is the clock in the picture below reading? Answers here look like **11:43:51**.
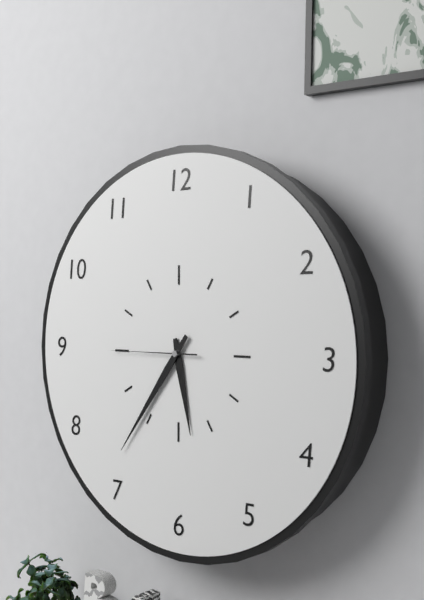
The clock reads **5:36:45**
